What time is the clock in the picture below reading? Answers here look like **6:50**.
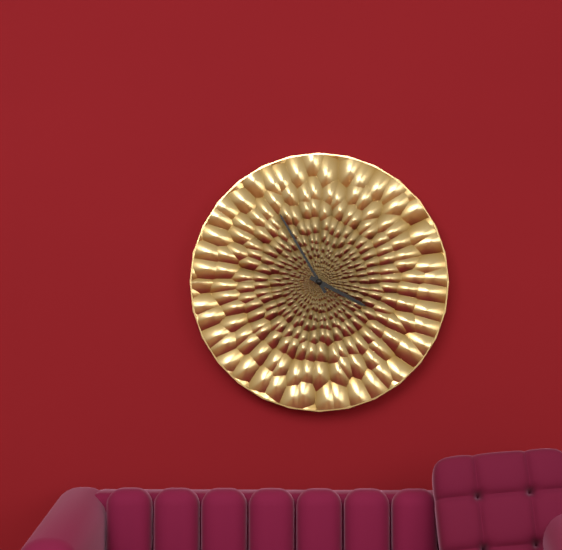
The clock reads **3:55**
